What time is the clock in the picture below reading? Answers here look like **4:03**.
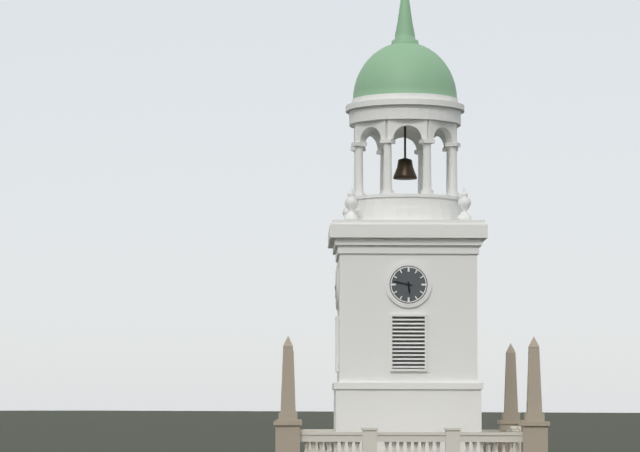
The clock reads **5:47**
